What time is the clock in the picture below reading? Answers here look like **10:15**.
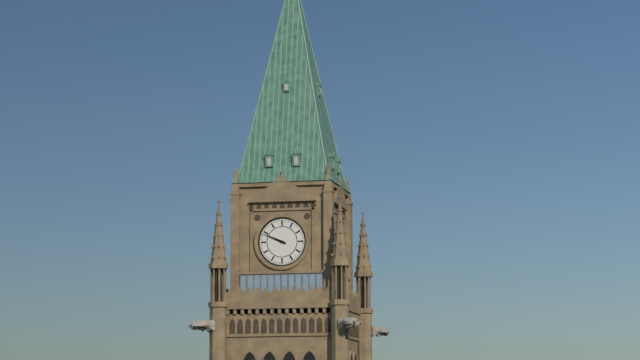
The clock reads **9:49**
